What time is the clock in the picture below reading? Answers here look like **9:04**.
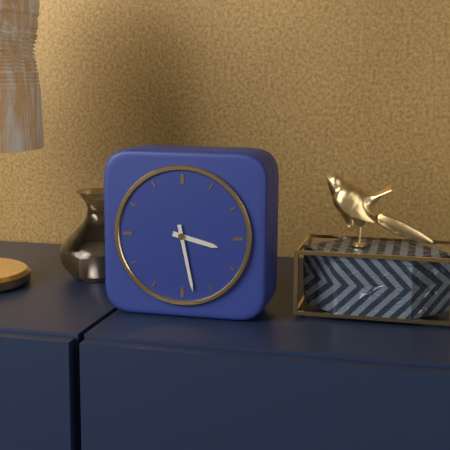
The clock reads **3:28**
